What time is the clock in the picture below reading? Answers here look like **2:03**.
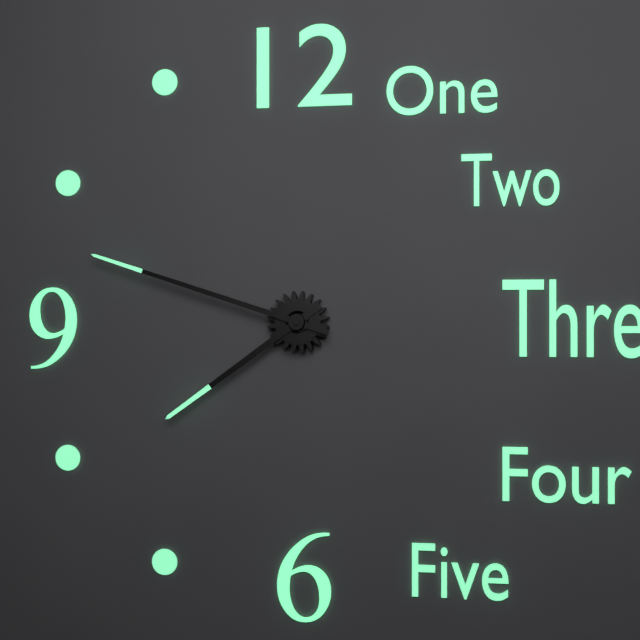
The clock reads **7:48**
